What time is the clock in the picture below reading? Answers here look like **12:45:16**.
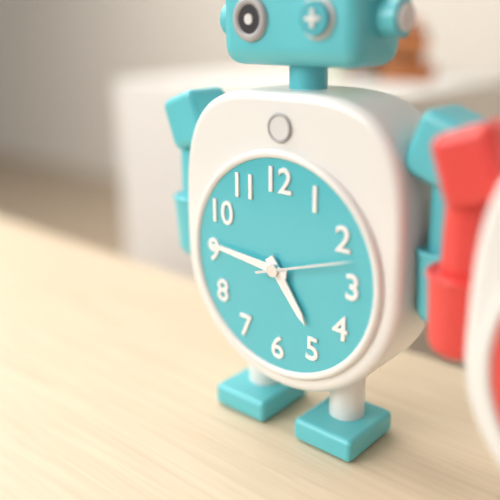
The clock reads **4:46:12**
